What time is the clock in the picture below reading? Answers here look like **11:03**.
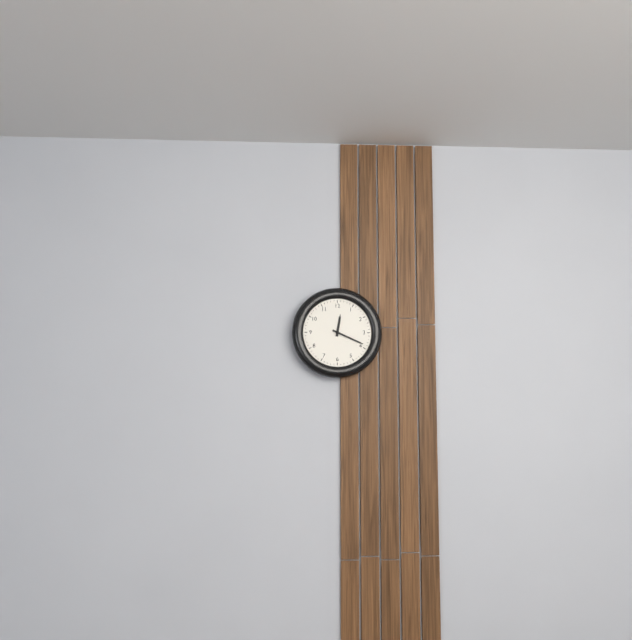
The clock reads **12:19**
